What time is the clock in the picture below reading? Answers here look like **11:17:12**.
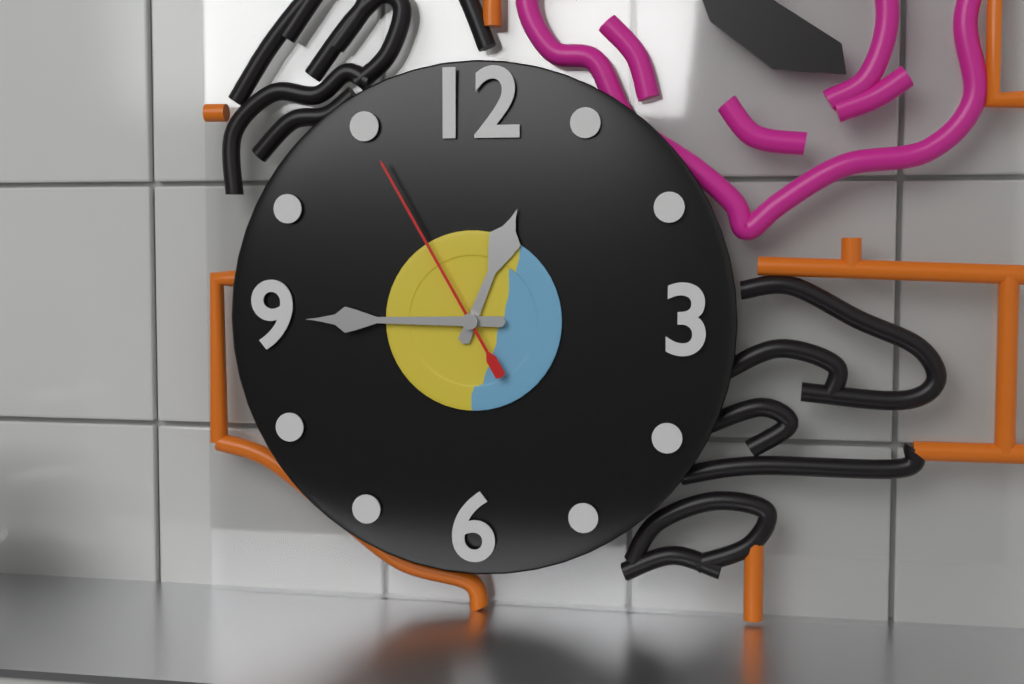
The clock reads **12:45:55**
